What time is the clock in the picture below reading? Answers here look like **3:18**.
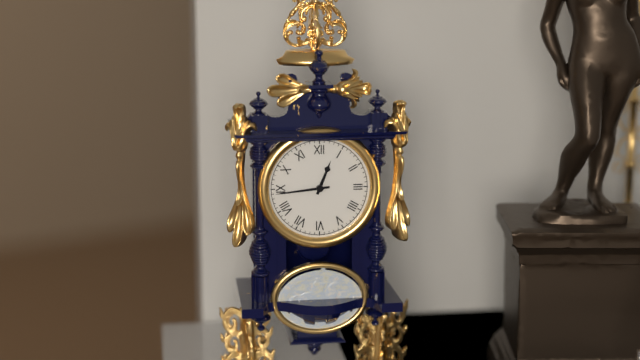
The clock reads **12:44**
